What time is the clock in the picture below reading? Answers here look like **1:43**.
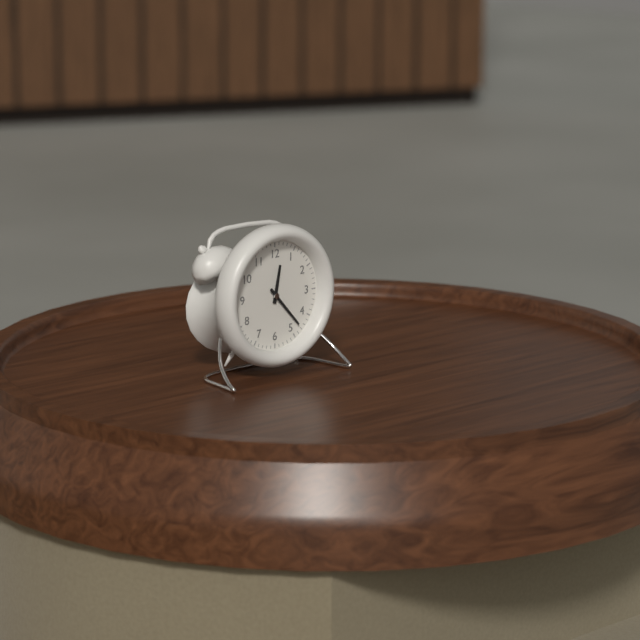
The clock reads **12:23**
